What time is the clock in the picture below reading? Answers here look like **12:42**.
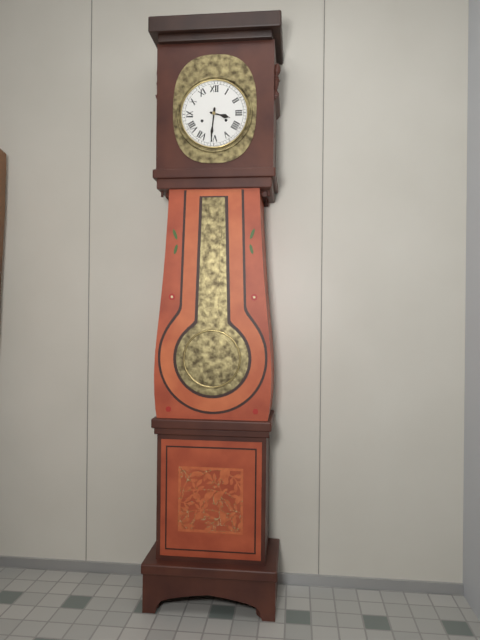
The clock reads **3:31**
